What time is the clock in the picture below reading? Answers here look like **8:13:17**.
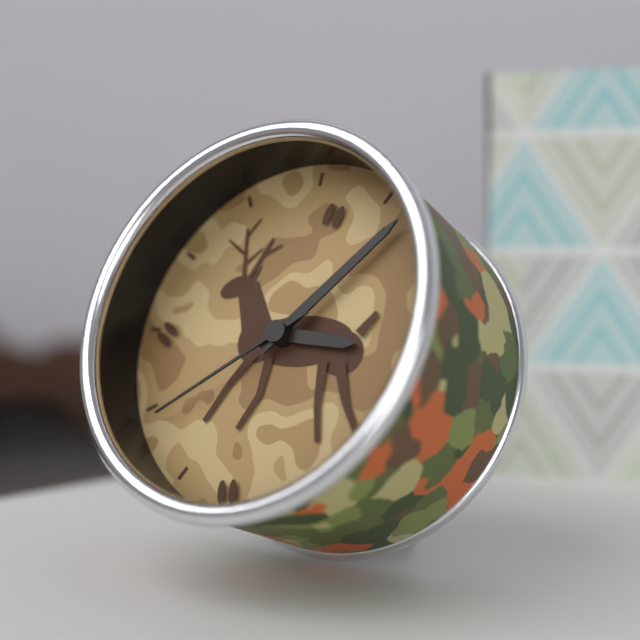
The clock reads **3:07:39**
